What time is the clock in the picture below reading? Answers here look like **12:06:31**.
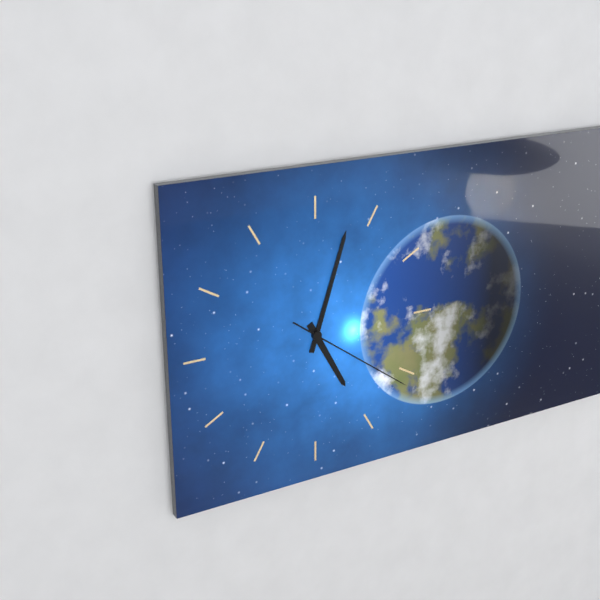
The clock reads **5:03:21**
